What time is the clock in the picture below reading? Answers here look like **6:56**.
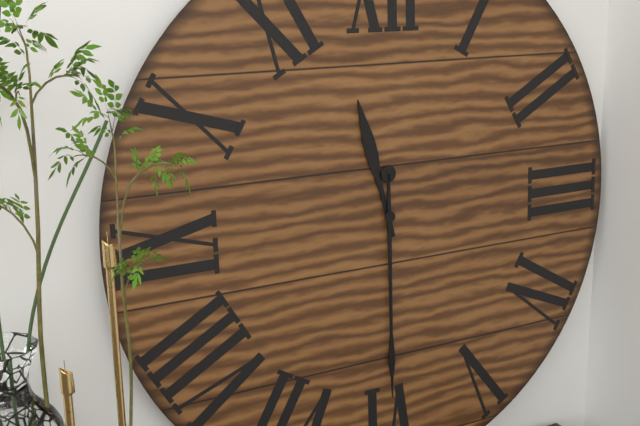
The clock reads **11:30**
